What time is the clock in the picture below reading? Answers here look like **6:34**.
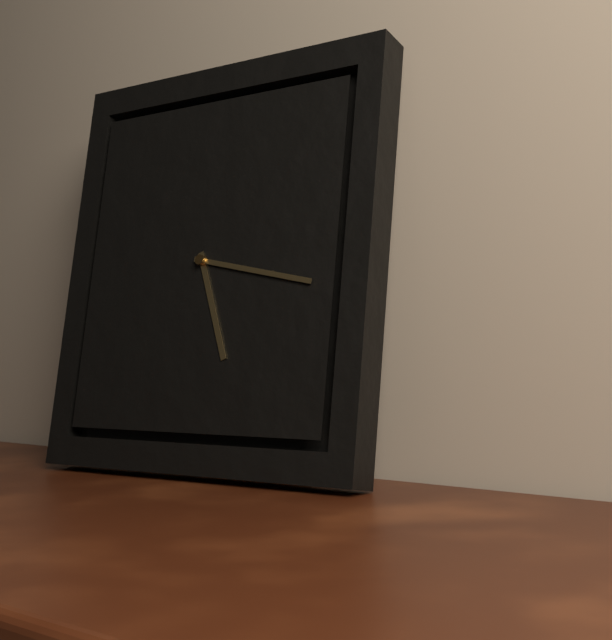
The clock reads **5:17**
